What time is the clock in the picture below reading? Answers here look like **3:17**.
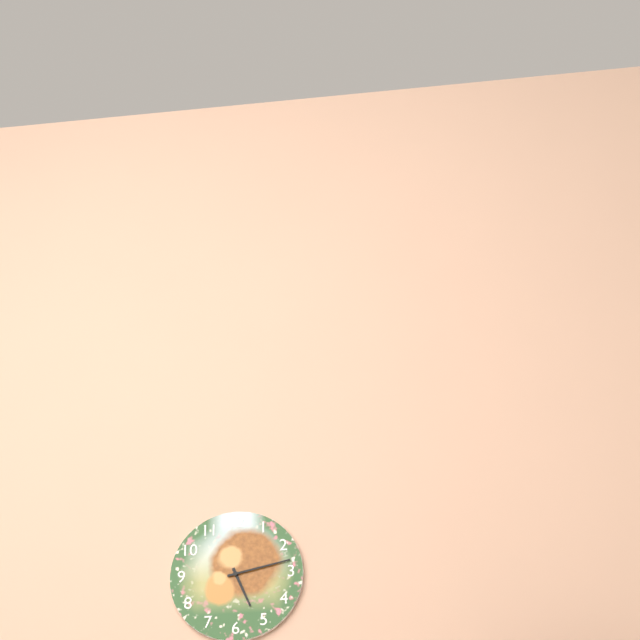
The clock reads **5:13**
